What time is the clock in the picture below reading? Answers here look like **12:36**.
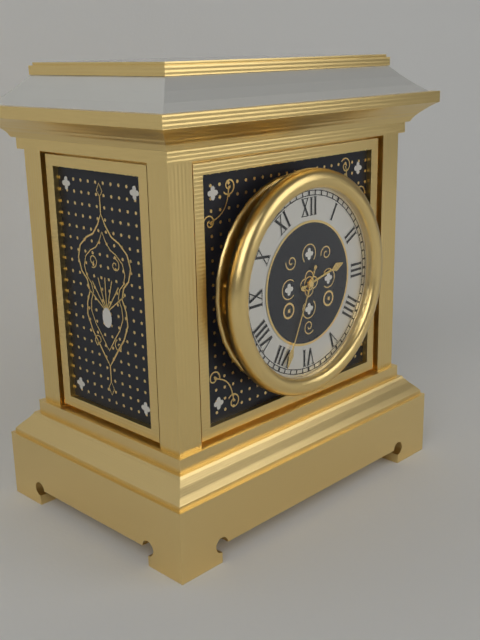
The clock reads **2:34**
